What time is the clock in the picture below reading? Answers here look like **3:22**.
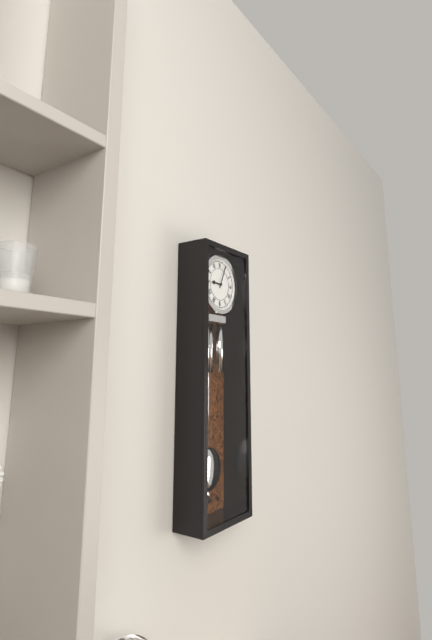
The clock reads **9:04**
